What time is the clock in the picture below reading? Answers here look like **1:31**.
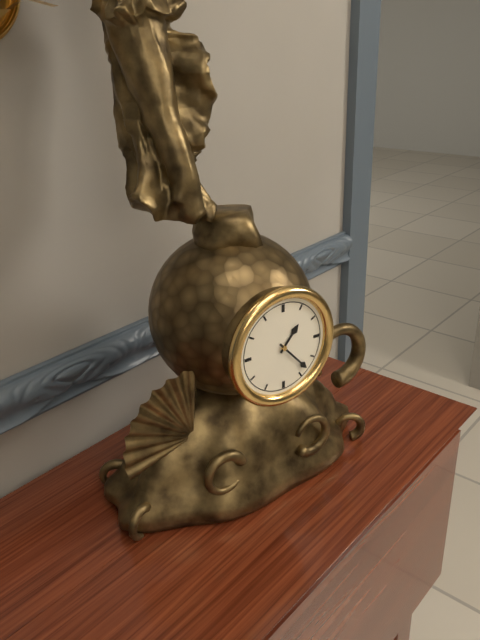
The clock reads **1:23**
